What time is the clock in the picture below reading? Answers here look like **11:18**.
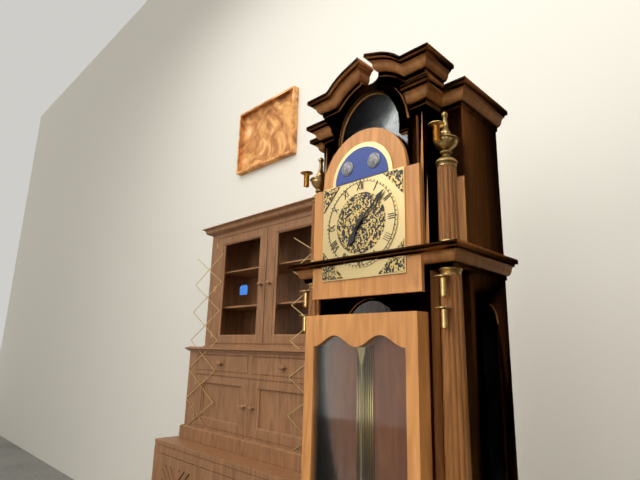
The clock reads **7:08**
